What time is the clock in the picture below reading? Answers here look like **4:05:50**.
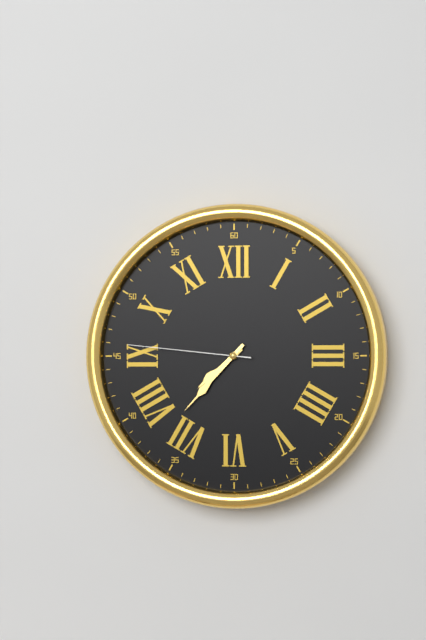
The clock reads **7:37:46**
